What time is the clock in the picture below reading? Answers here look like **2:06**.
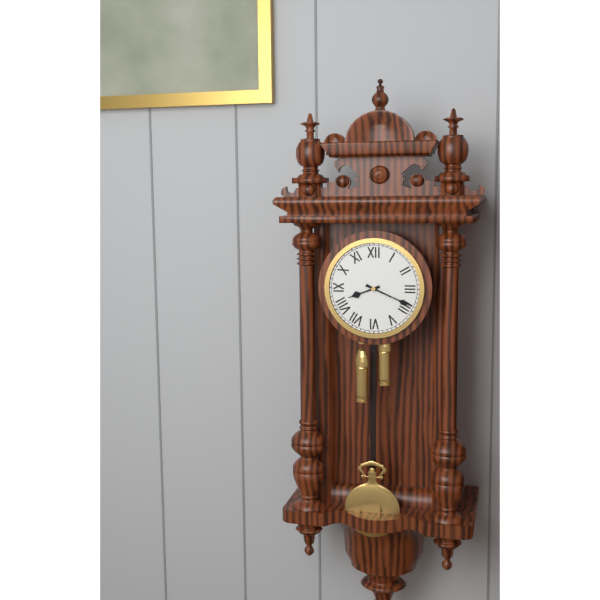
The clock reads **8:19**
